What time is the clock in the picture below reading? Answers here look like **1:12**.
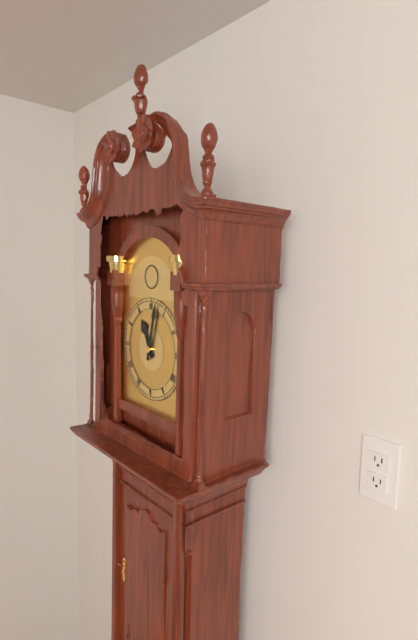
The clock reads **11:02**
